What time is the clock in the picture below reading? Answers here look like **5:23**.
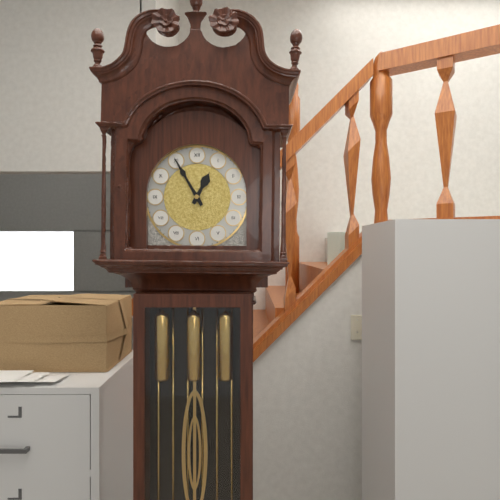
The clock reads **12:55**
